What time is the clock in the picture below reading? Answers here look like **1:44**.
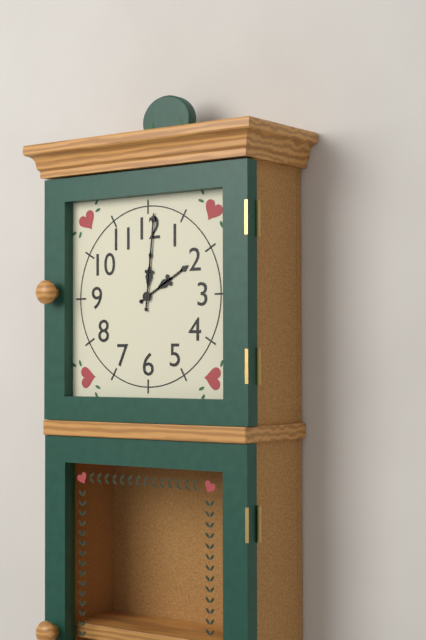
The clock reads **2:01**
